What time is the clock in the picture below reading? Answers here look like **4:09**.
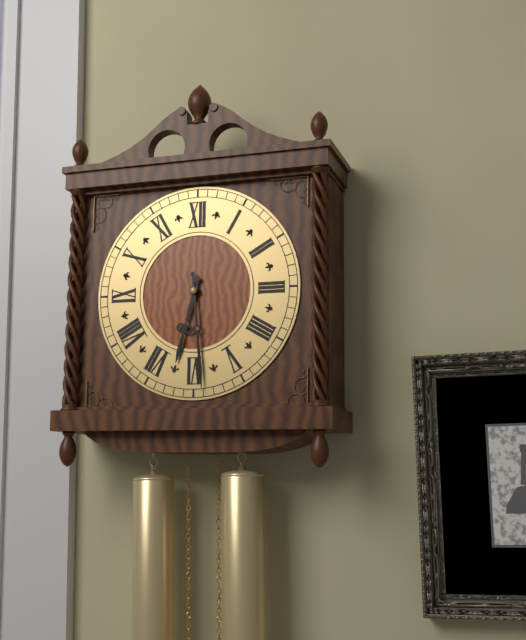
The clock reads **6:29**
